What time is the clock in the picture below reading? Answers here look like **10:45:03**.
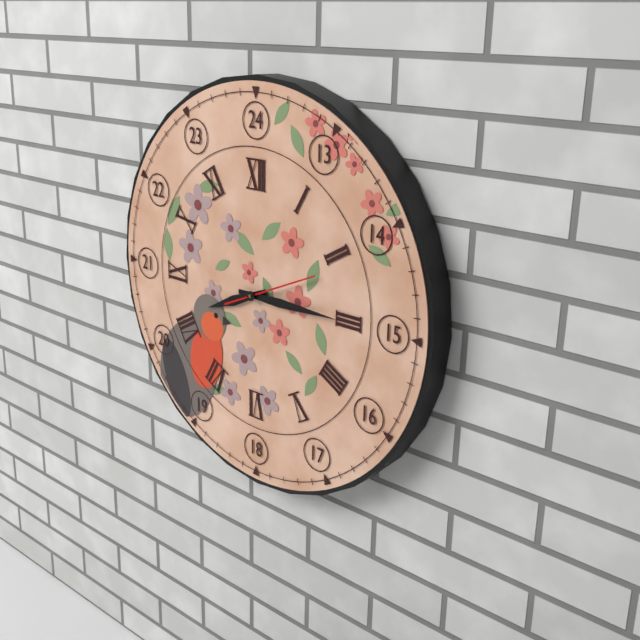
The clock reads **8:15:11**
